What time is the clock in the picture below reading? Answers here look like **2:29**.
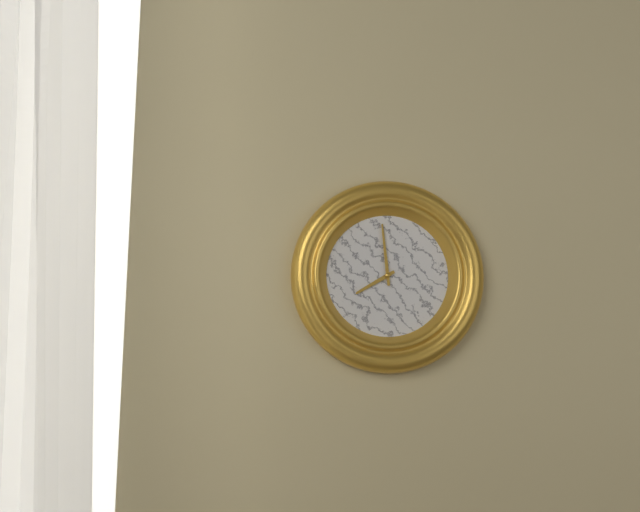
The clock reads **7:59**
